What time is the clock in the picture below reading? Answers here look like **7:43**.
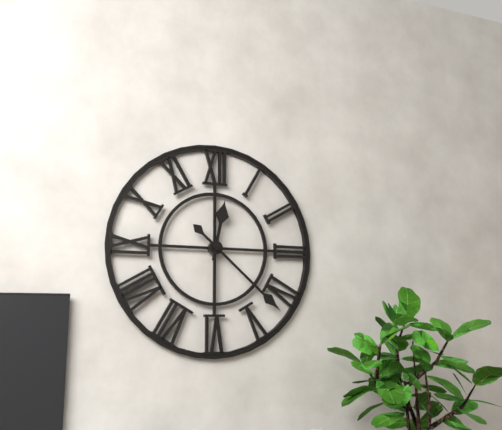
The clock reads **12:22**
